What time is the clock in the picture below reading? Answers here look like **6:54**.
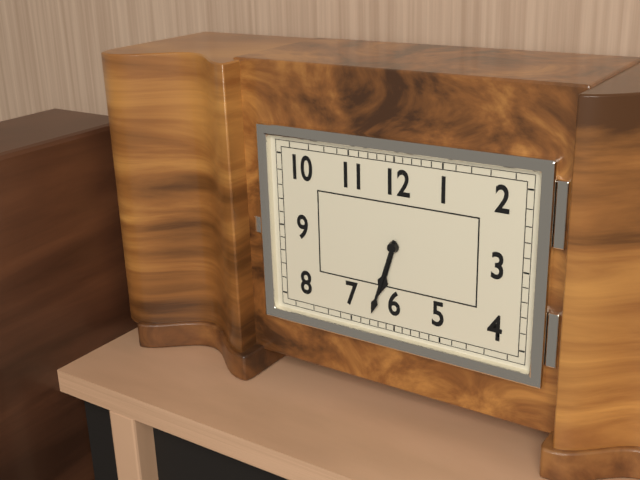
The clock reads **6:33**
